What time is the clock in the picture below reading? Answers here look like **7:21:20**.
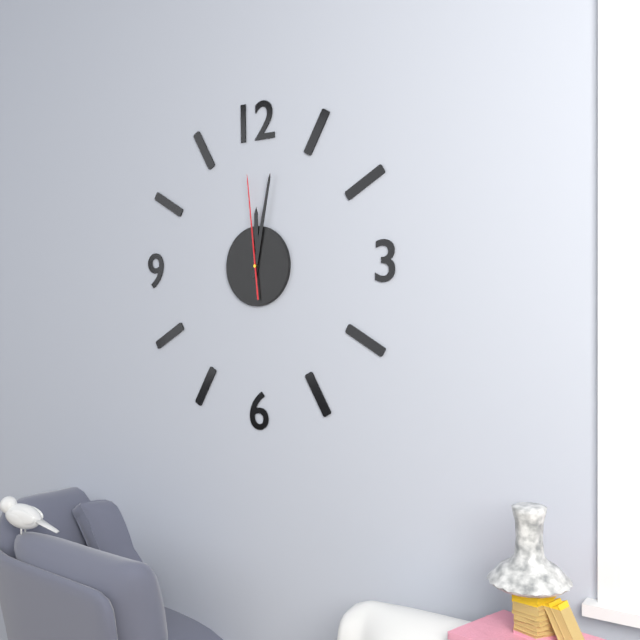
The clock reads **12:02:59**
